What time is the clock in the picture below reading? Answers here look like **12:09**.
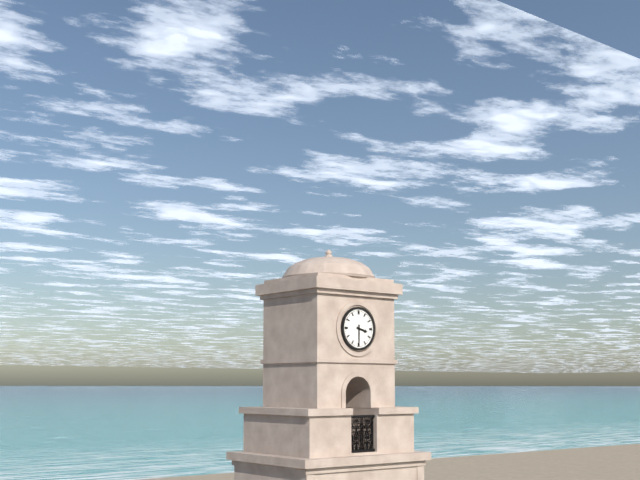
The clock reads **3:30**
